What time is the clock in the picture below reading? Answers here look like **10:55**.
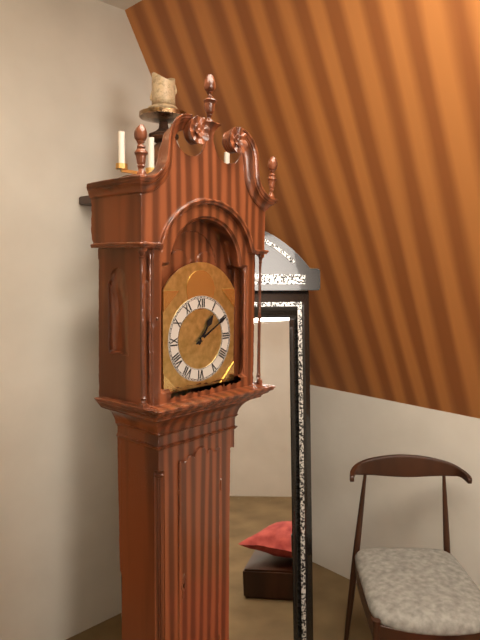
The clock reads **1:10**
